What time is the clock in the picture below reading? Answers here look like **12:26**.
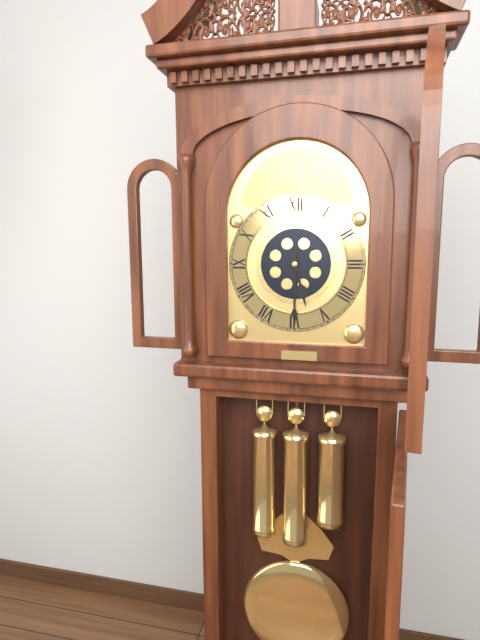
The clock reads **5:30**
